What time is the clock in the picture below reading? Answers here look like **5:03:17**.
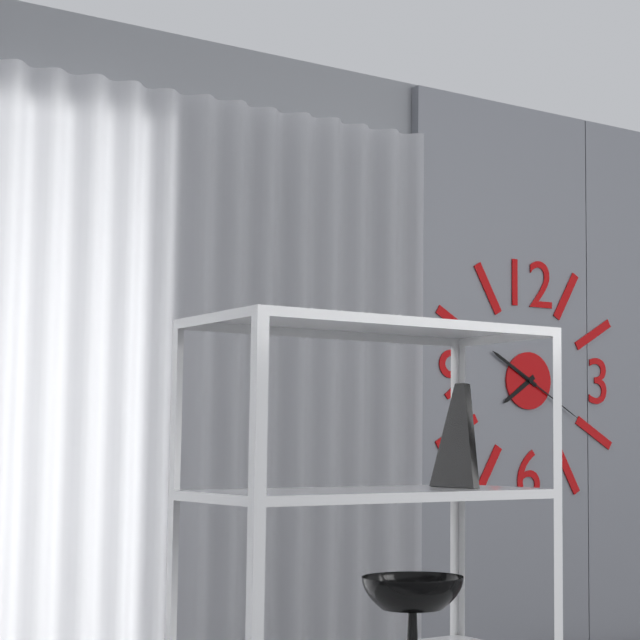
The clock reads **7:50:20**
